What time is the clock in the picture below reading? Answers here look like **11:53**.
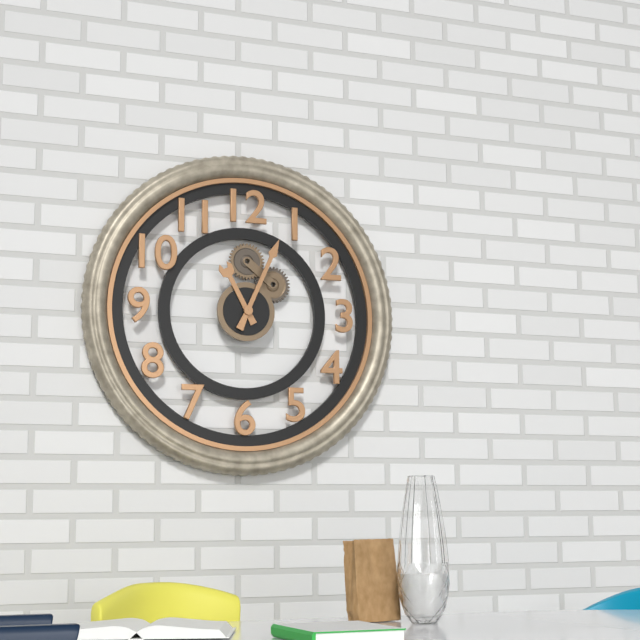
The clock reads **11:04**
